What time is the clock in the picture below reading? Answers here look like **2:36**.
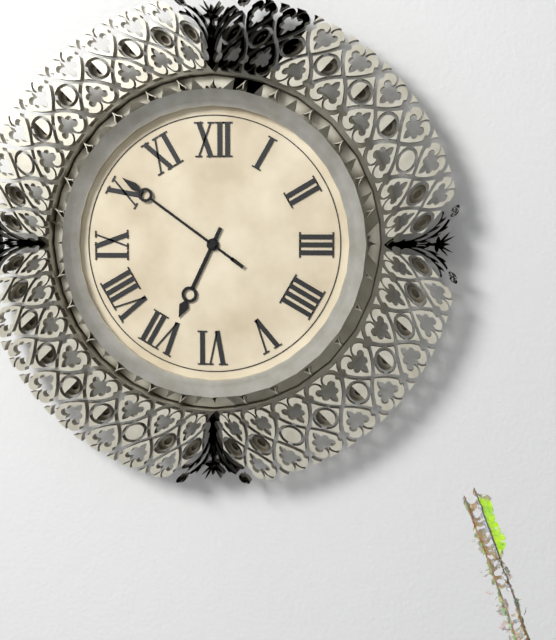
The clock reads **6:51**
